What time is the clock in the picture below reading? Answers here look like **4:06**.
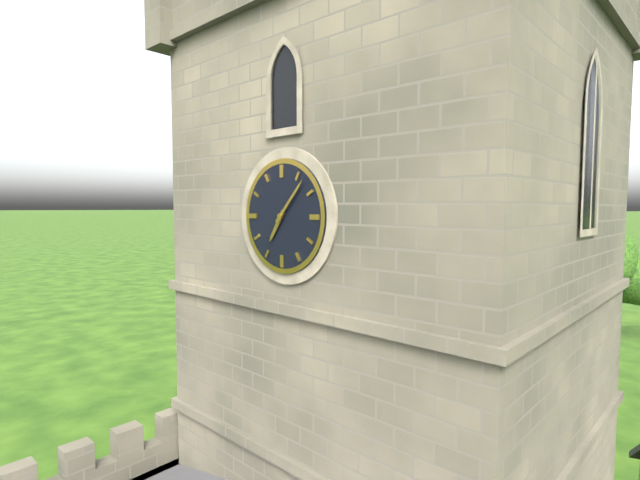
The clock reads **7:07**
